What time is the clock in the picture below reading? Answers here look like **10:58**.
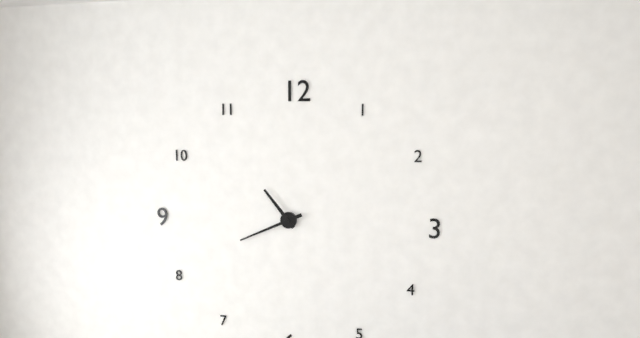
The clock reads **10:41**
